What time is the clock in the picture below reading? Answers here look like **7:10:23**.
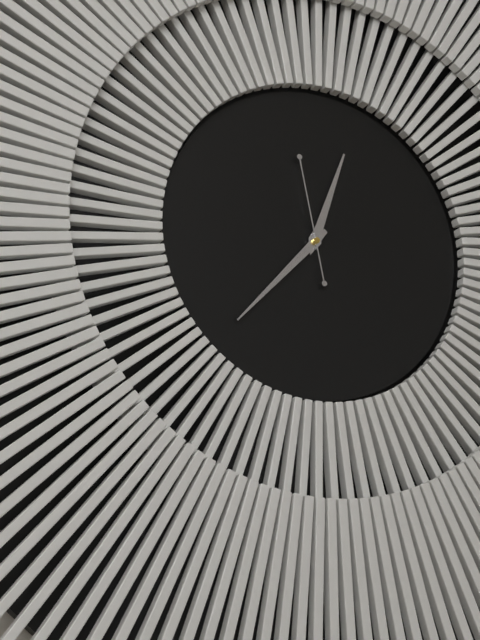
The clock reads **12:37:58**
